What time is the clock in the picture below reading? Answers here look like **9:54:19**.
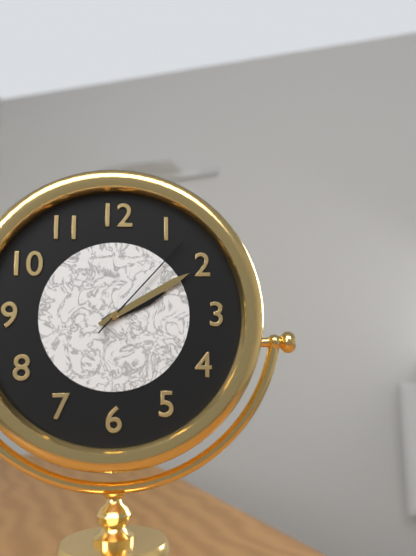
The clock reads **2:10:07**
